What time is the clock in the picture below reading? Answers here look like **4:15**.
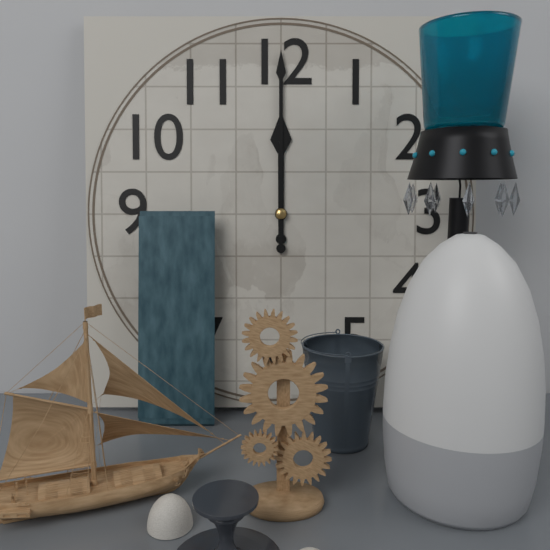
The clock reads **12:00**
